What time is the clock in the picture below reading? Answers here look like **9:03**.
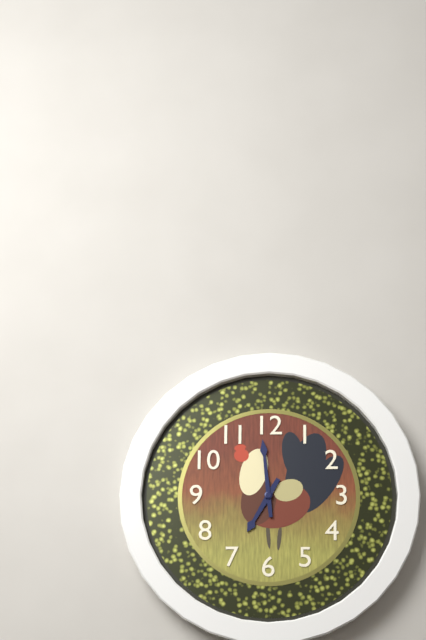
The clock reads **6:59**
